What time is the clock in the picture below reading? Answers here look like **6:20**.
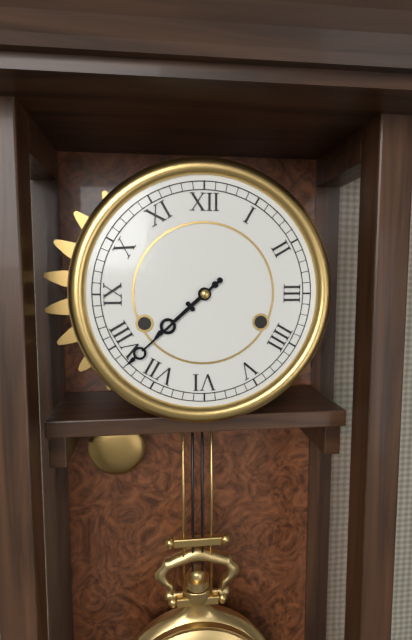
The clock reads **7:38**
